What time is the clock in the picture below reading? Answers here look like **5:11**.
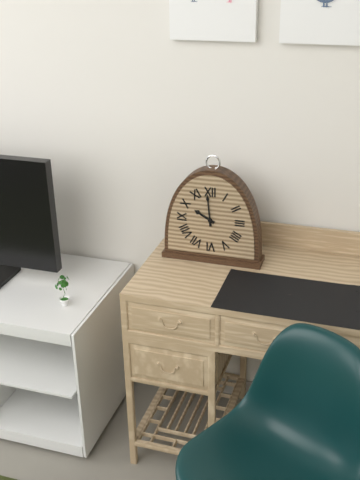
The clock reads **9:59**
